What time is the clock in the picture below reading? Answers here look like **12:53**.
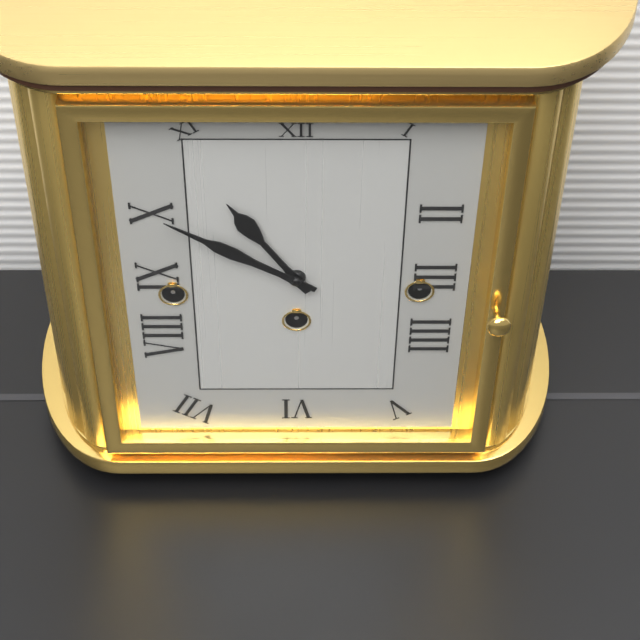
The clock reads **10:50**
